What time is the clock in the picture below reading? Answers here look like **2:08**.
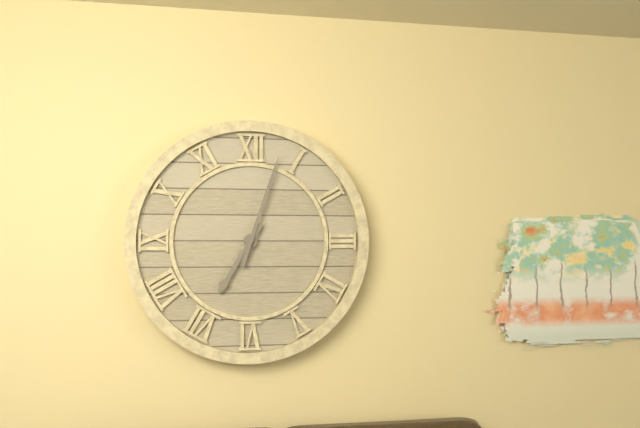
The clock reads **7:03**
